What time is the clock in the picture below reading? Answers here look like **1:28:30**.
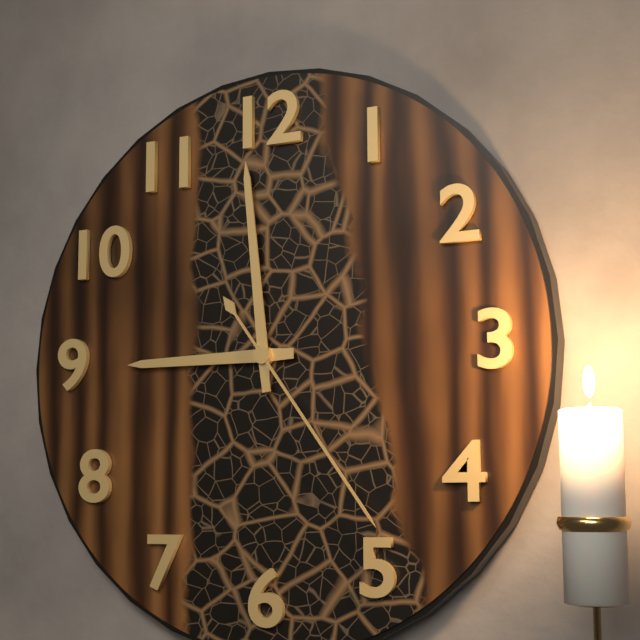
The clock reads **8:59:24**
